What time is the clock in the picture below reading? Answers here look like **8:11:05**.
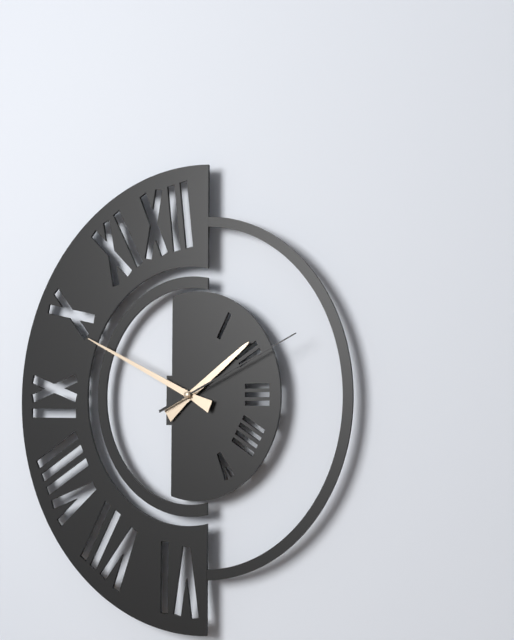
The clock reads **1:49:11**
